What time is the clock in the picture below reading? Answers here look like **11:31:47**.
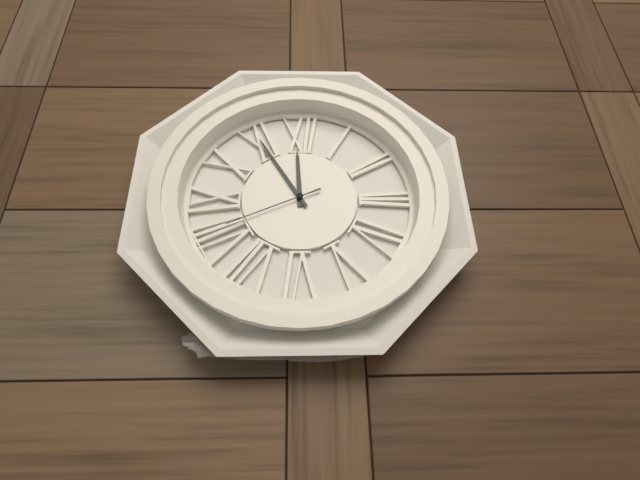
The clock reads **11:55:41**
